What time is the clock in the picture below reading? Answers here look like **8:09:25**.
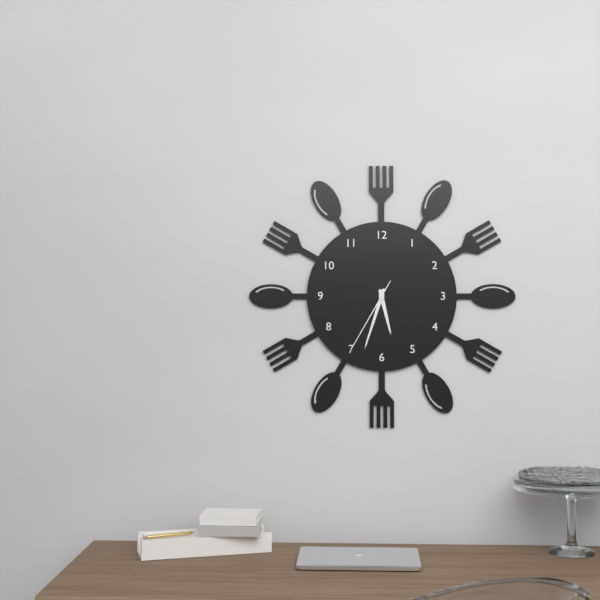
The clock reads **5:33:35**
